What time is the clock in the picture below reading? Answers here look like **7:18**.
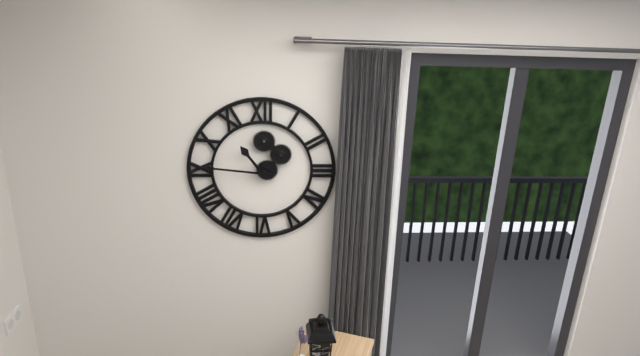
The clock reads **10:46**
